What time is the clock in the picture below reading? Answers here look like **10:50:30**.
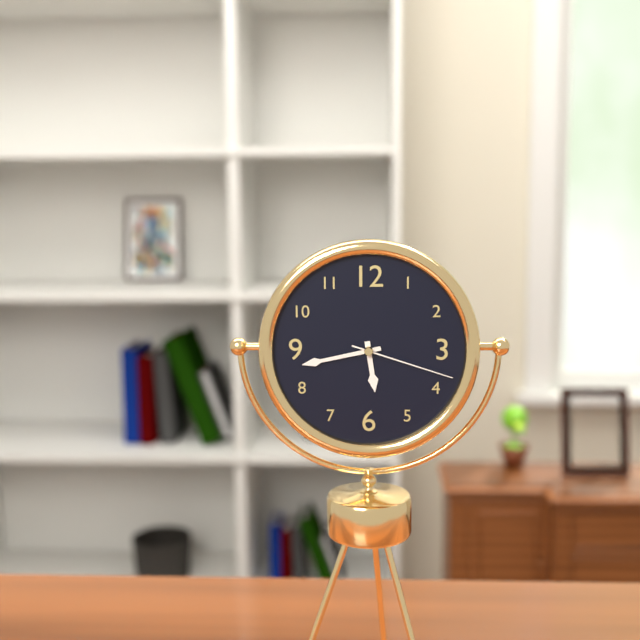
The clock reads **5:43:18**
